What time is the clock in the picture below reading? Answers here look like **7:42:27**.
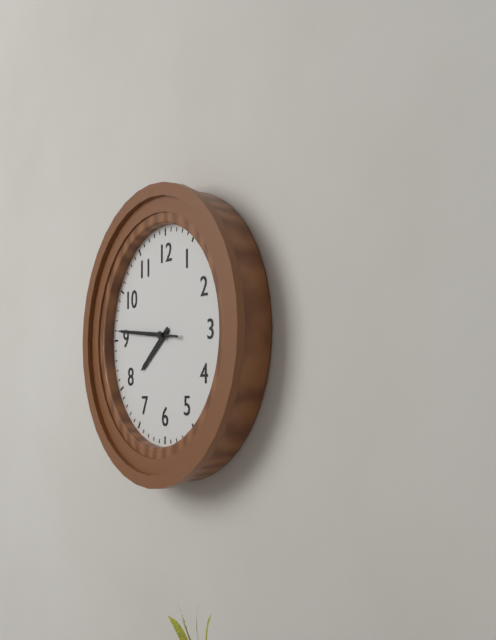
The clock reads **7:46:46**
